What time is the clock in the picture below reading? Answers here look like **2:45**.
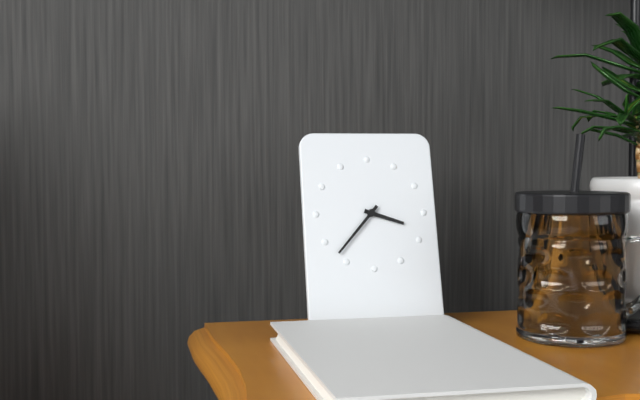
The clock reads **3:37**
